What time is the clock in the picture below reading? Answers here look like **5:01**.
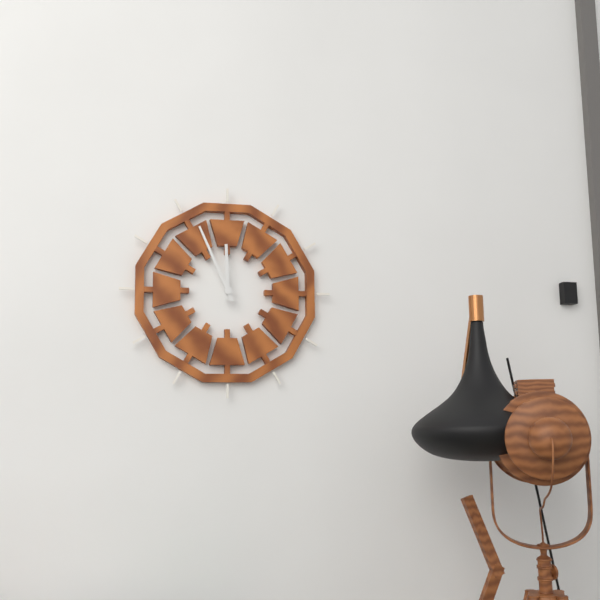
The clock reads **11:56**
